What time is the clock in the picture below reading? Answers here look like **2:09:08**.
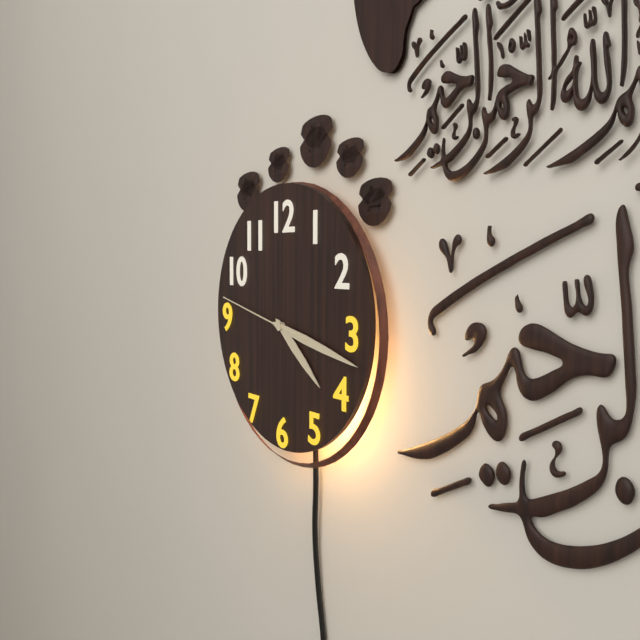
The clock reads **4:17:47**
